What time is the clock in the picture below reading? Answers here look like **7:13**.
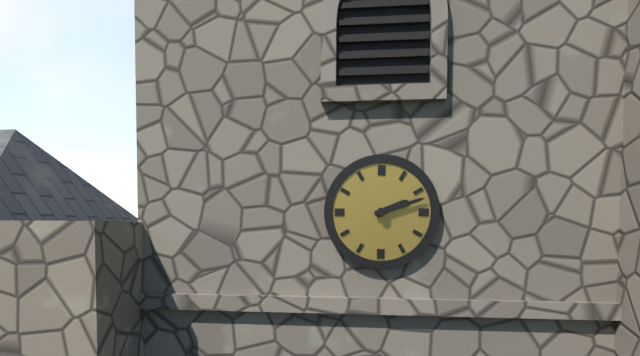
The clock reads **2:12**
